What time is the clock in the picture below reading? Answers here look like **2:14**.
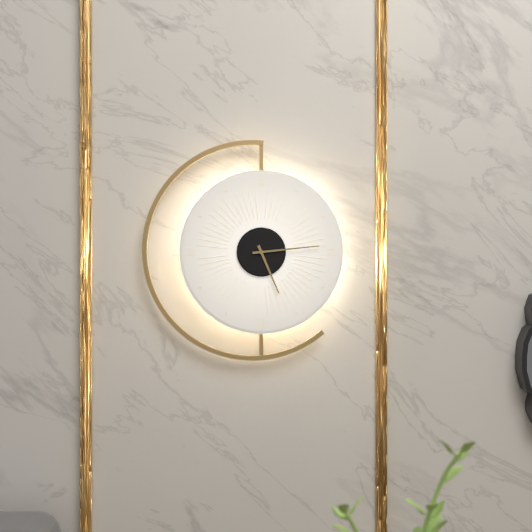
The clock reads **5:14**
